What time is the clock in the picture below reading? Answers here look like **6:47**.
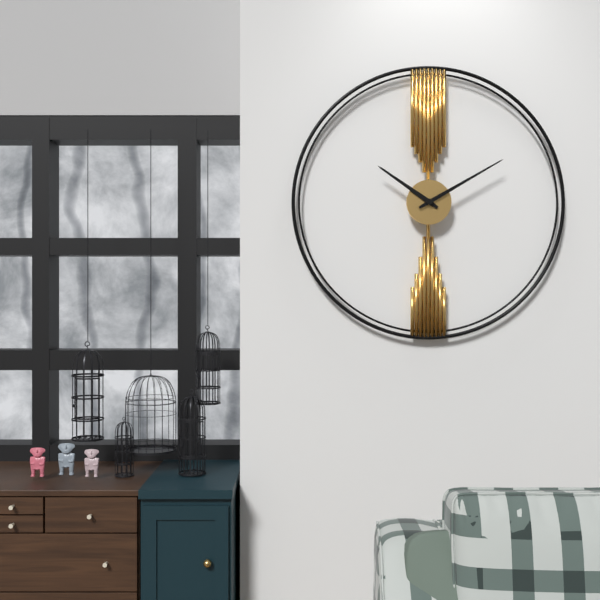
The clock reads **10:10**
